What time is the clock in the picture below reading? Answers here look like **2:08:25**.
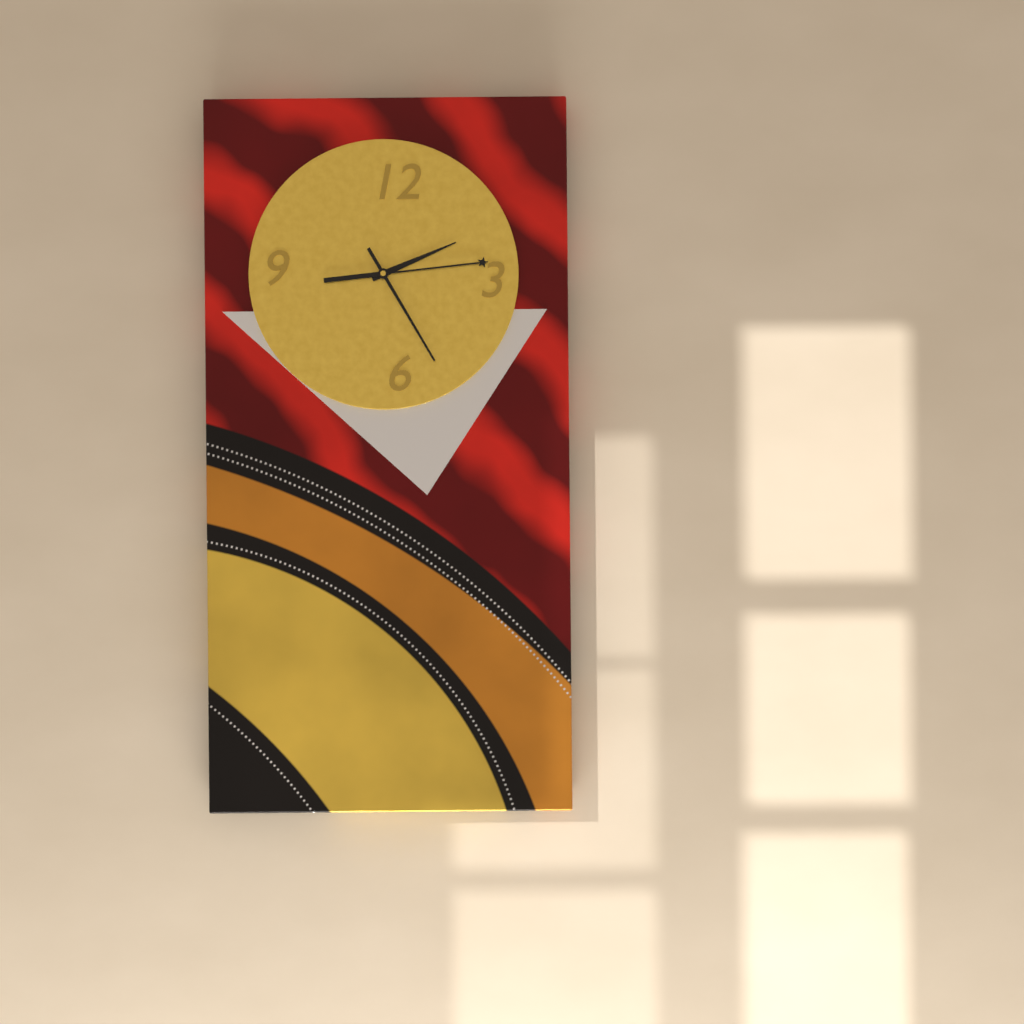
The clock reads **2:14:25**
